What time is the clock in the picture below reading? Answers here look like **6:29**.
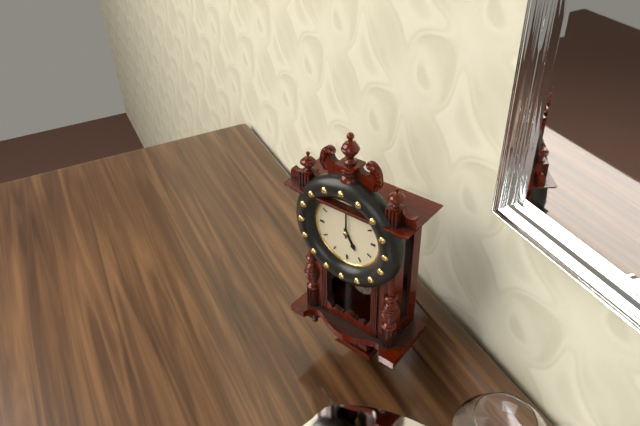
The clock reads **5:00**
